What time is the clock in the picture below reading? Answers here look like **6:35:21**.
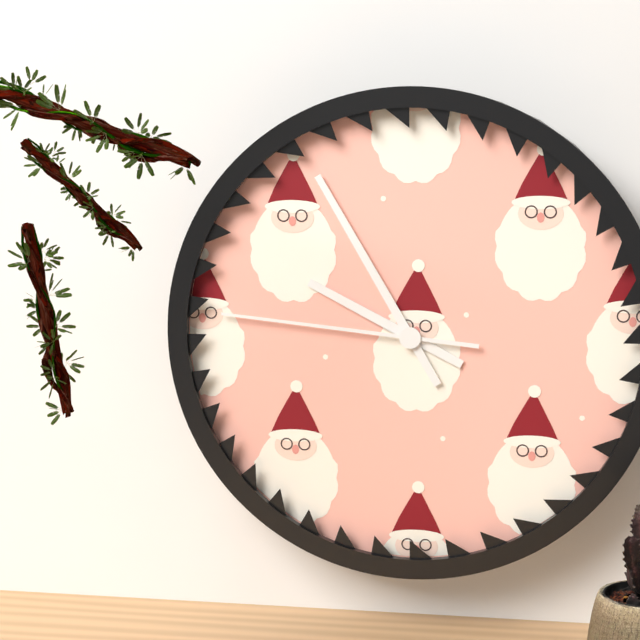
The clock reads **9:55:46**
